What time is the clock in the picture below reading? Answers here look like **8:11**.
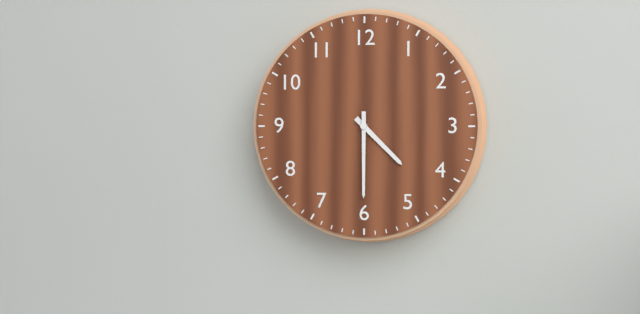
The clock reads **4:30**
